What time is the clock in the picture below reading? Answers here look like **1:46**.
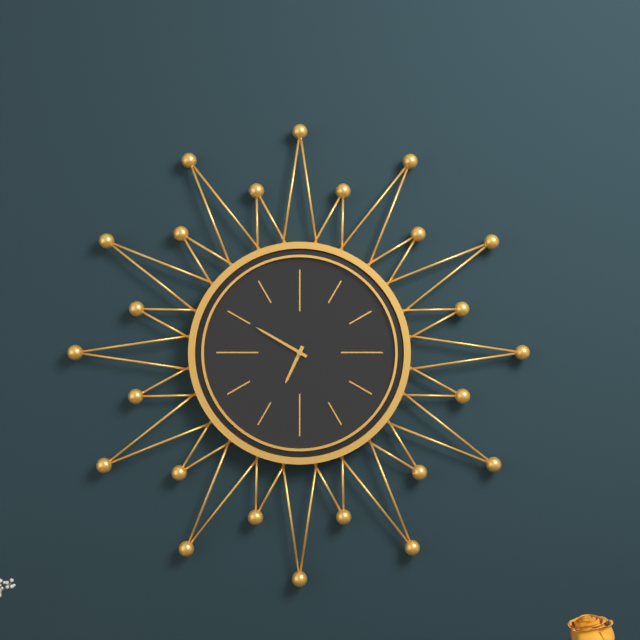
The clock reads **6:50**
